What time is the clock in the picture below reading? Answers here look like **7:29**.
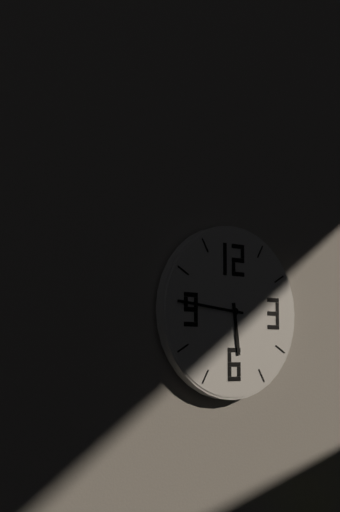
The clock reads **5:46**
